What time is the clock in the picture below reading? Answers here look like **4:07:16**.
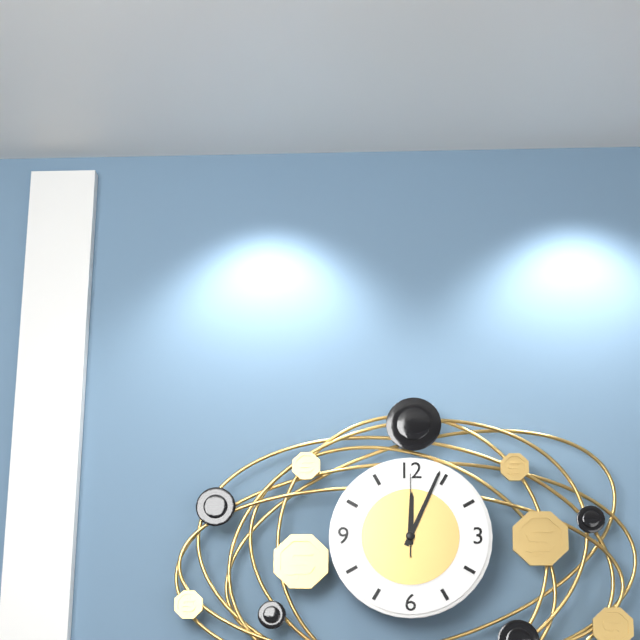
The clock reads **12:04:00**
